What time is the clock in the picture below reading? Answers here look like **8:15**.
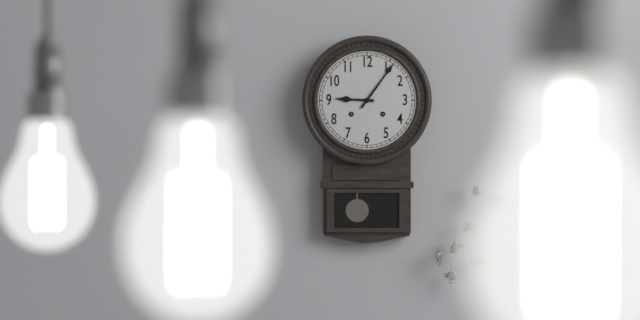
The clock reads **9:06**
